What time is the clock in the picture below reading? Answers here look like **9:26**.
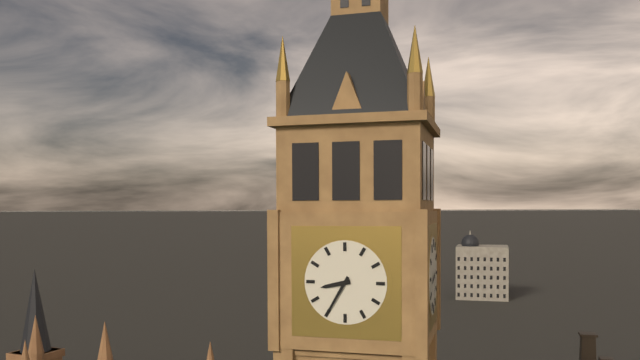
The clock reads **8:35**
